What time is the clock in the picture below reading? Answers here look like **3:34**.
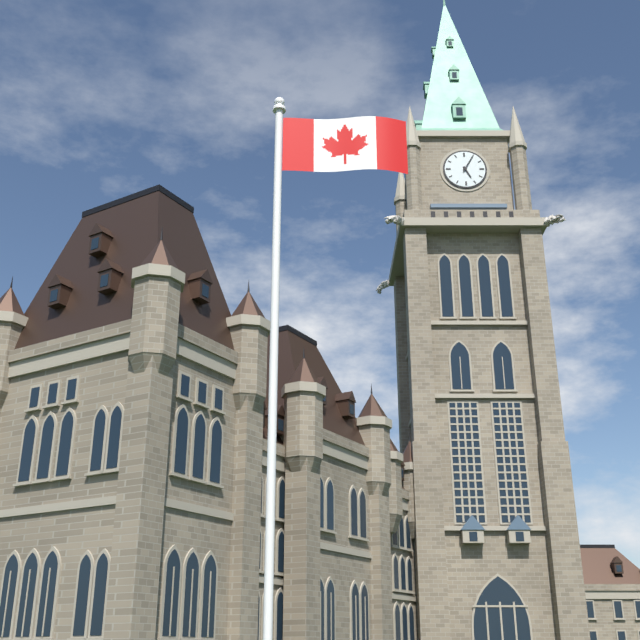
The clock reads **5:05**
